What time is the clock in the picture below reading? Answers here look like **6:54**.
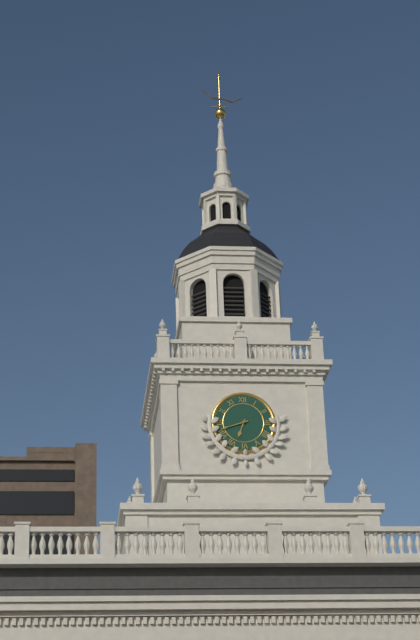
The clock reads **6:42**
